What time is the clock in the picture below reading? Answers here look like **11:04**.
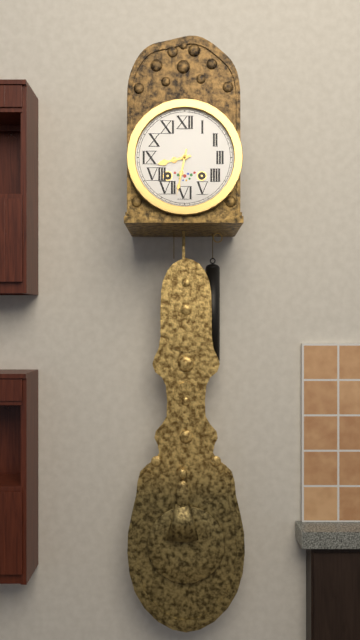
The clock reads **8:32**
